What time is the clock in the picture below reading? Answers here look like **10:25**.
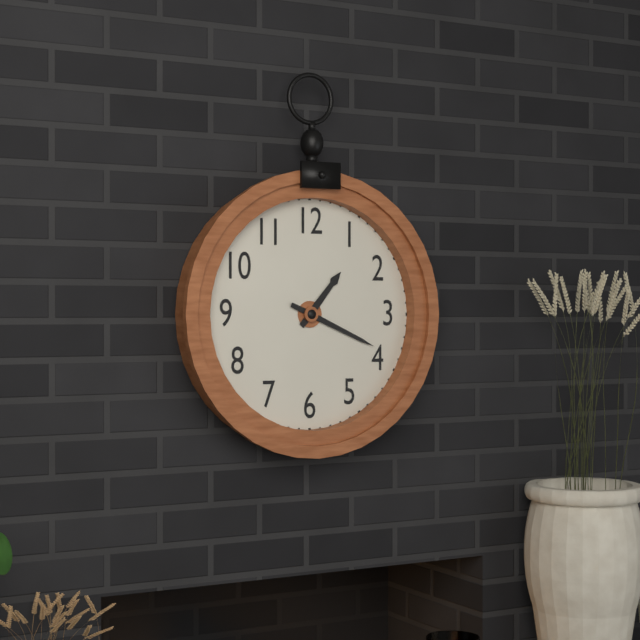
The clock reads **1:19**
